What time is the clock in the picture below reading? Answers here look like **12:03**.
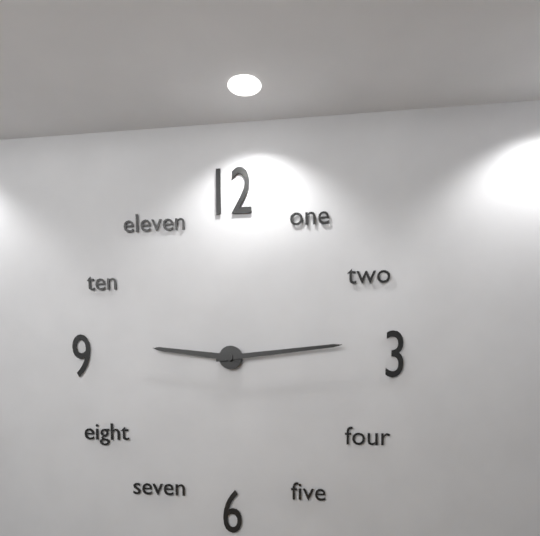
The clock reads **9:14**
